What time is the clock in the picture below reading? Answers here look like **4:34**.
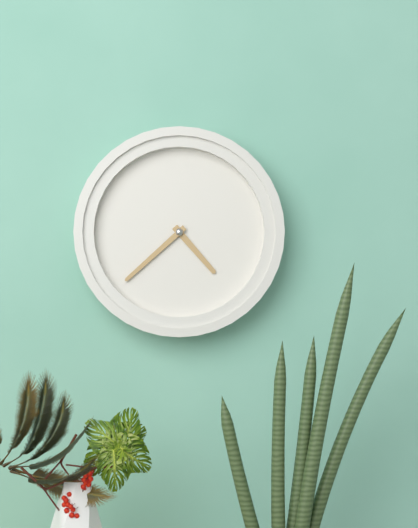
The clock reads **4:38**
